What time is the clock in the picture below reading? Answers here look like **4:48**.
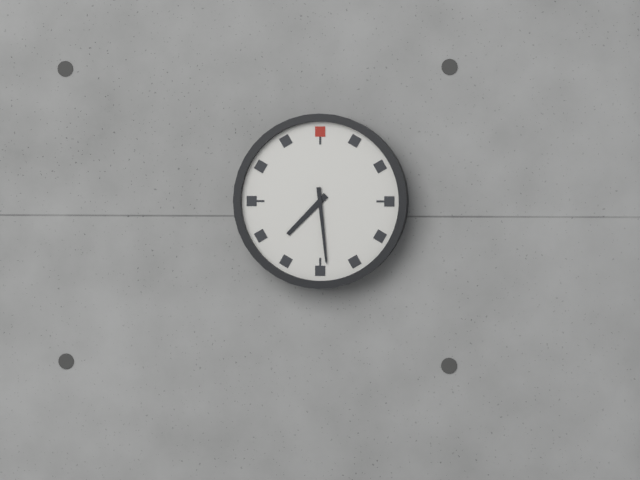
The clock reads **7:29**
